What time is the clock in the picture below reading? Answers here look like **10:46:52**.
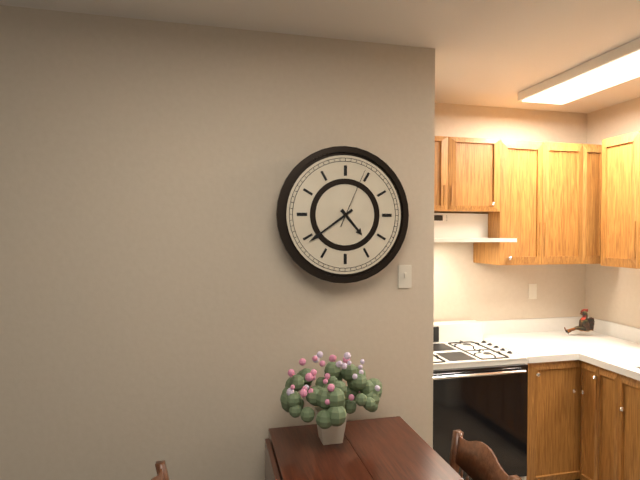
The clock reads **4:39:04**
